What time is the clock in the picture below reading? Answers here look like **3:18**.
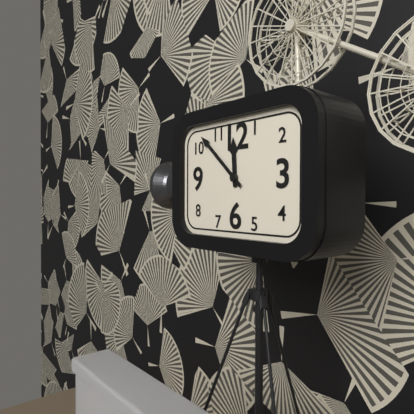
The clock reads **11:52**
